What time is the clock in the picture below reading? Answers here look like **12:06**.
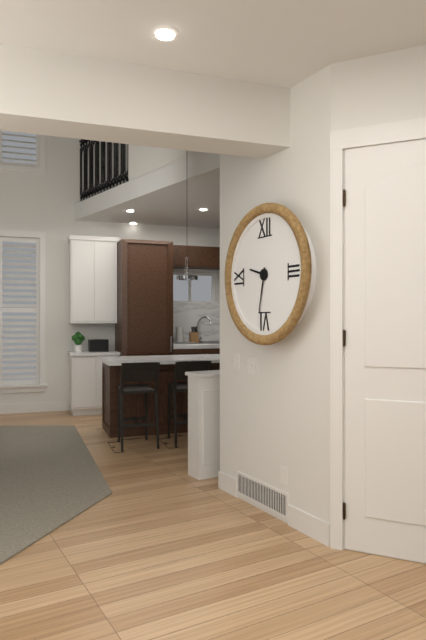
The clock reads **9:32**
